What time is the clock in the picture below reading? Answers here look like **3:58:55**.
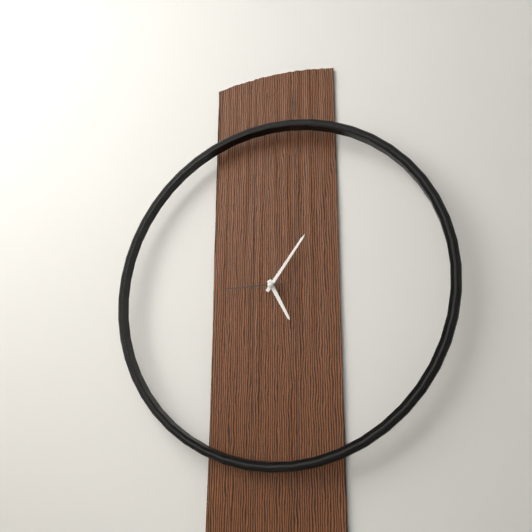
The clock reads **5:06:45**
